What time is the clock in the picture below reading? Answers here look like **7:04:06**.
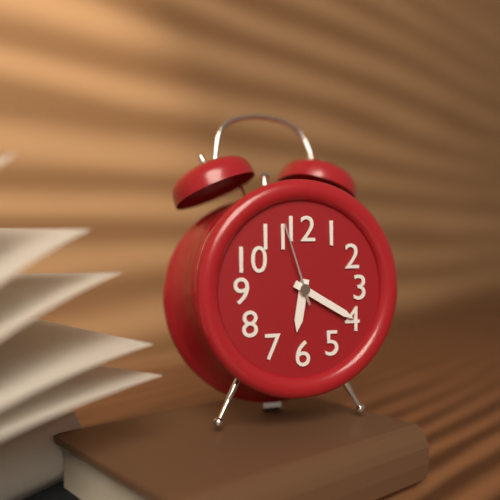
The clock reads **6:20:57**
